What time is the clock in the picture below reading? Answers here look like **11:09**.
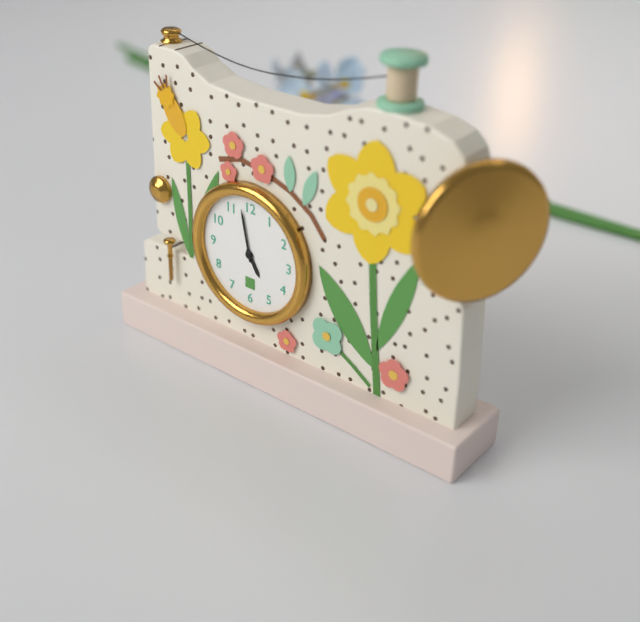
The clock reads **4:58**
